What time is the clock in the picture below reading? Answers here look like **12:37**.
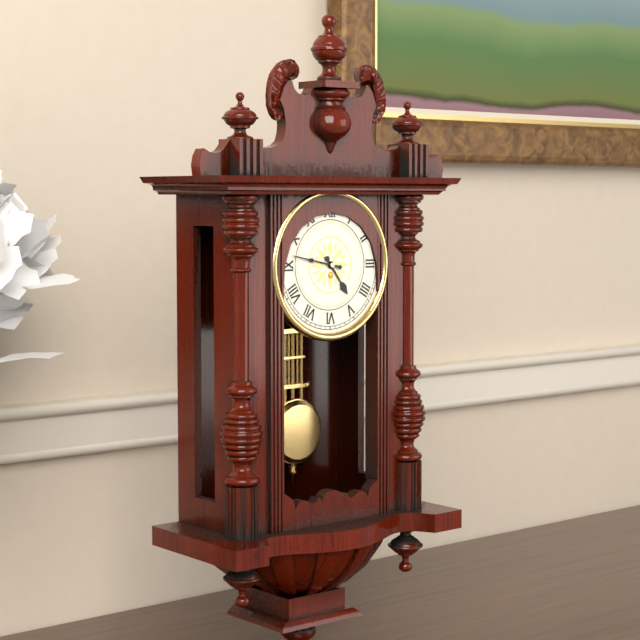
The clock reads **4:47**
